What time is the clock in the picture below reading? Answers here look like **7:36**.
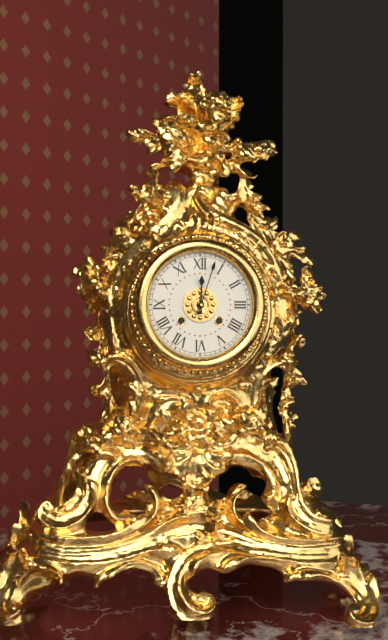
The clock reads **12:03**
